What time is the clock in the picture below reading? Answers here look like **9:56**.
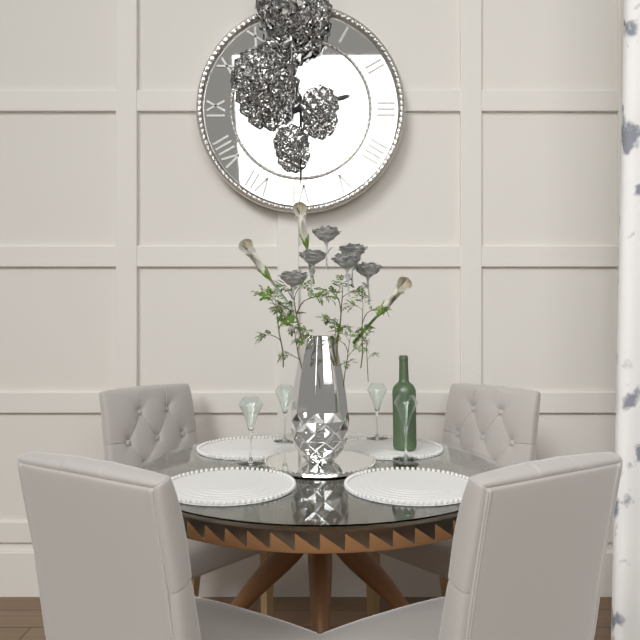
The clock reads **2:30**
